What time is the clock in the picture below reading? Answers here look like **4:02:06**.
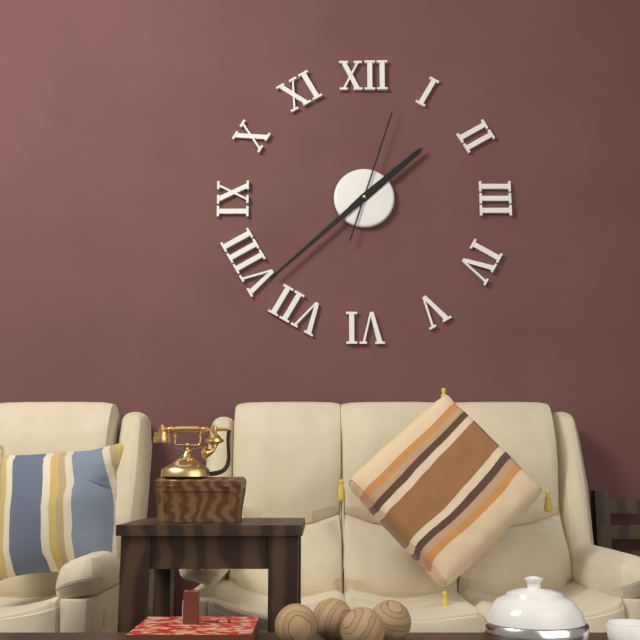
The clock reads **1:38:03**
